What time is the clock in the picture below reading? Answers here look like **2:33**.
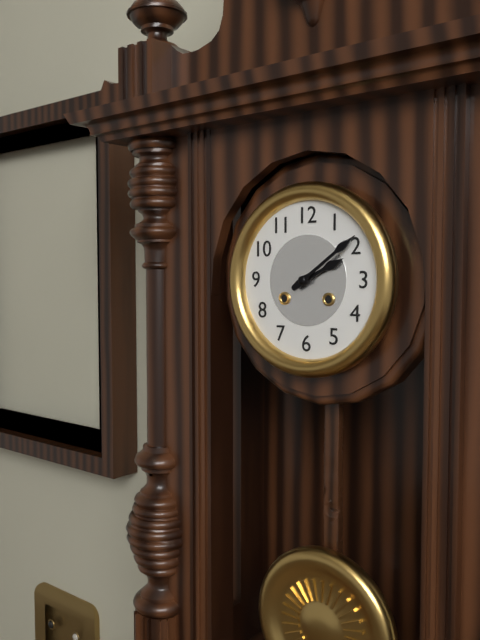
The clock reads **2:09**
